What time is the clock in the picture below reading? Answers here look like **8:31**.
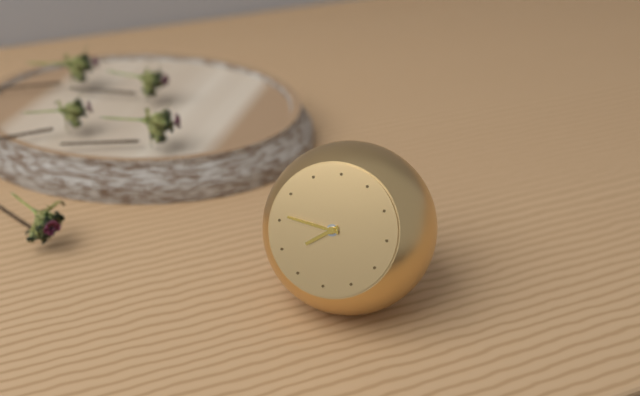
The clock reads **7:46**
